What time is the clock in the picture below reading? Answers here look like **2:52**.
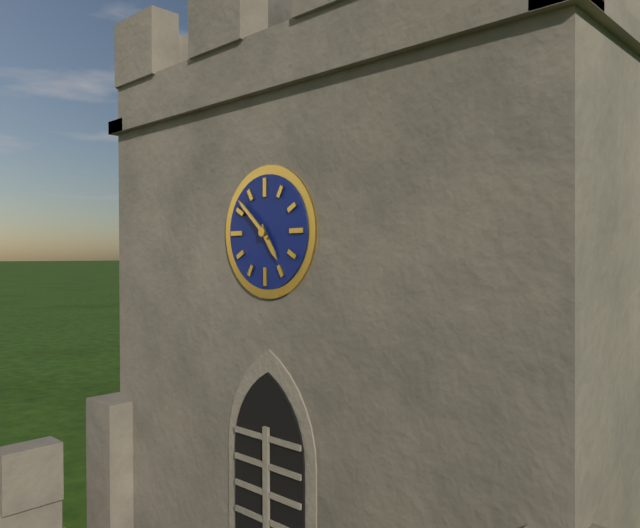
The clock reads **4:52**
